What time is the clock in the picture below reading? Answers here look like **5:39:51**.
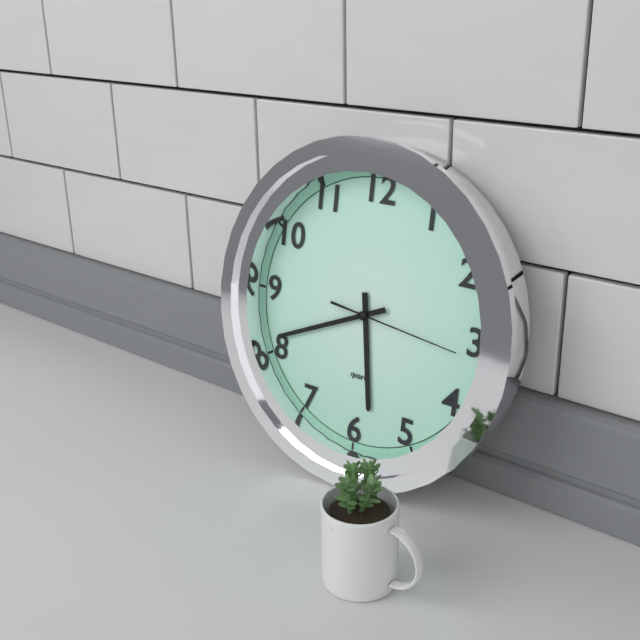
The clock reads **5:41:16**
